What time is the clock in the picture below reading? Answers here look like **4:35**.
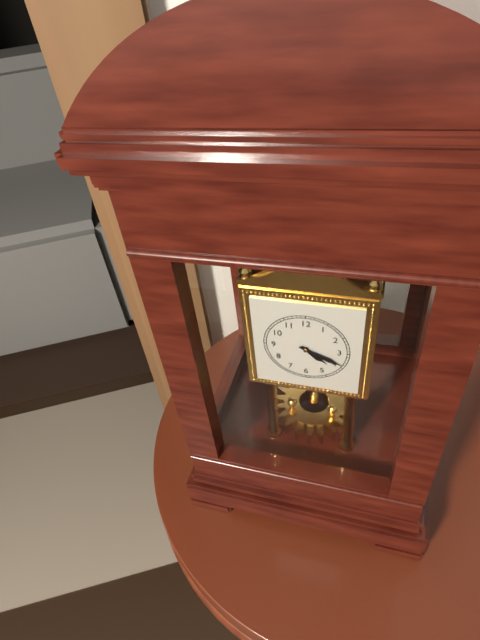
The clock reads **4:19**
